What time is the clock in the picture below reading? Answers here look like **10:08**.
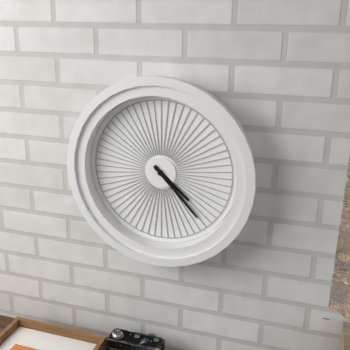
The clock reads **4:23**
